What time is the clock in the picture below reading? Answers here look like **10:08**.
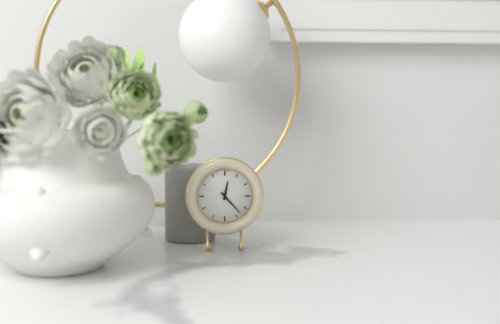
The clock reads **12:23**
